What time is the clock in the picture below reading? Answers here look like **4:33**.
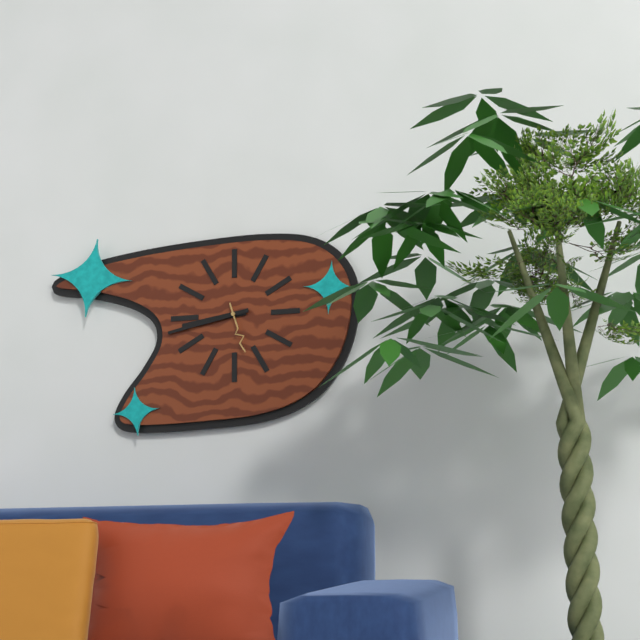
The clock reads **8:43**
